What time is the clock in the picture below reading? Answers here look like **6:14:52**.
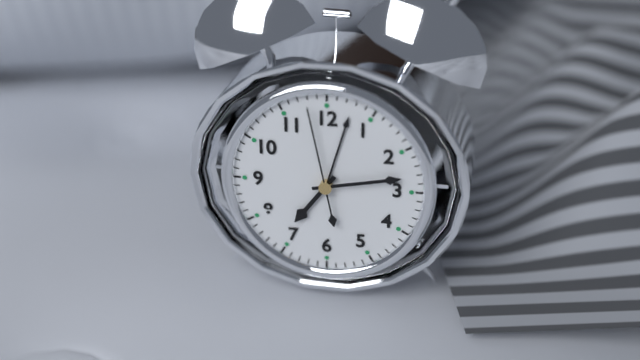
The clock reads **7:13:58**
